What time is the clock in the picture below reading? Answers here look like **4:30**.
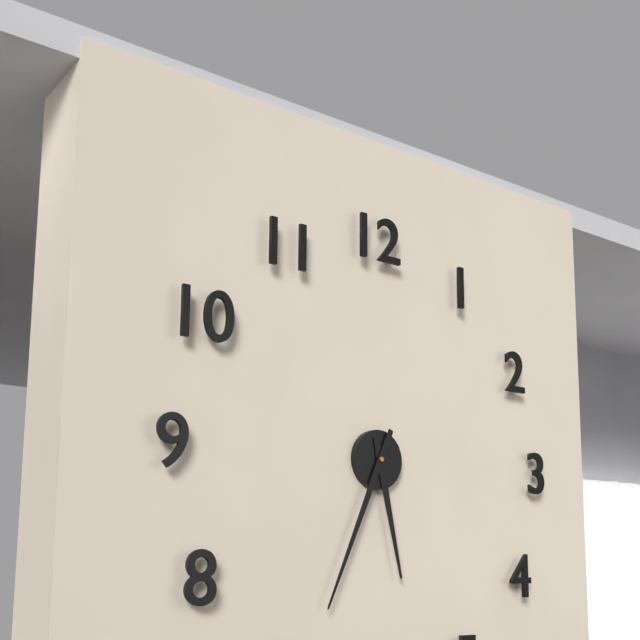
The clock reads **5:34**
